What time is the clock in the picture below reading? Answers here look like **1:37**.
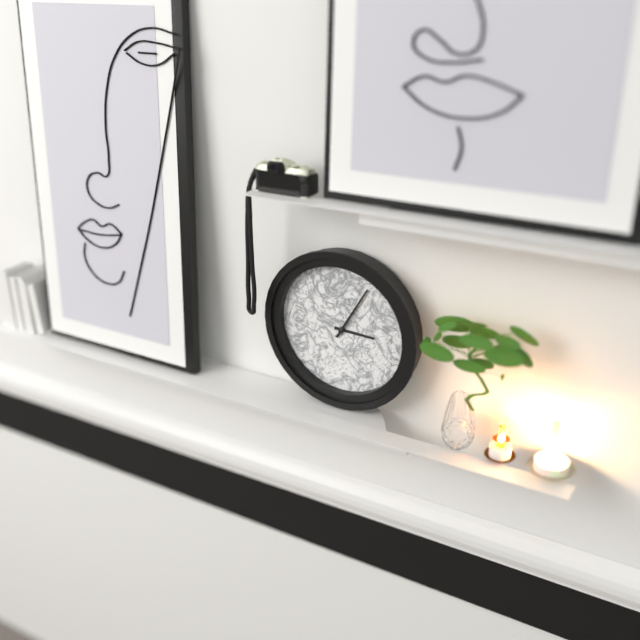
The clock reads **3:05**
